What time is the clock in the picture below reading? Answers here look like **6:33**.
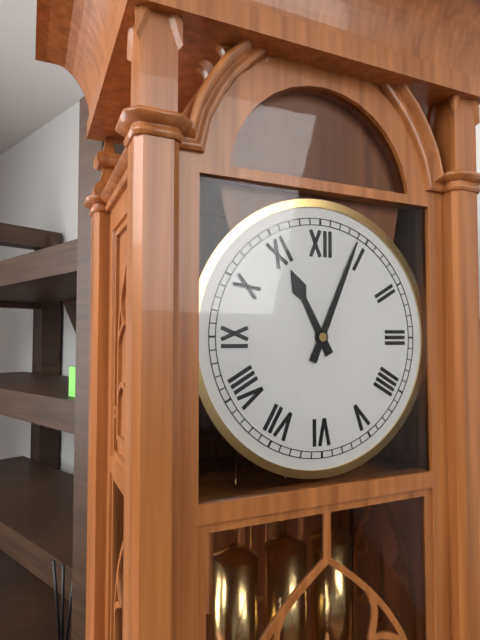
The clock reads **11:04**
